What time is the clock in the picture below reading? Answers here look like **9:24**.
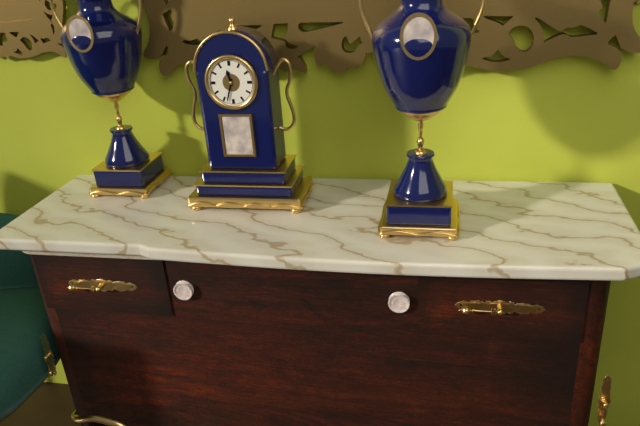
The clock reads **11:33**
